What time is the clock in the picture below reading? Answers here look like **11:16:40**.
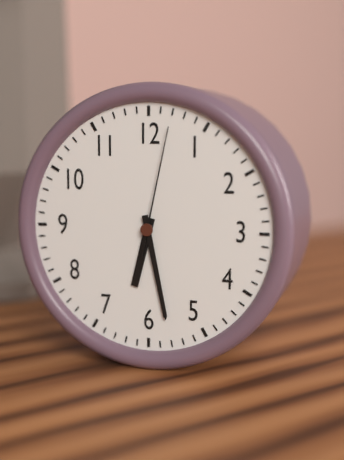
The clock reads **6:28:02**
